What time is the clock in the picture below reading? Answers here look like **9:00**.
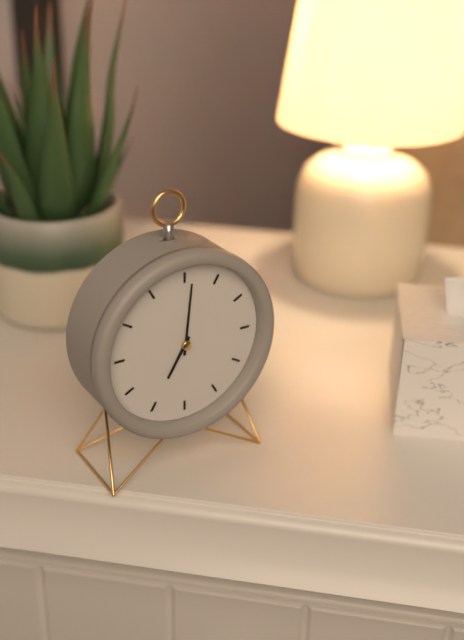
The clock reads **7:01**
